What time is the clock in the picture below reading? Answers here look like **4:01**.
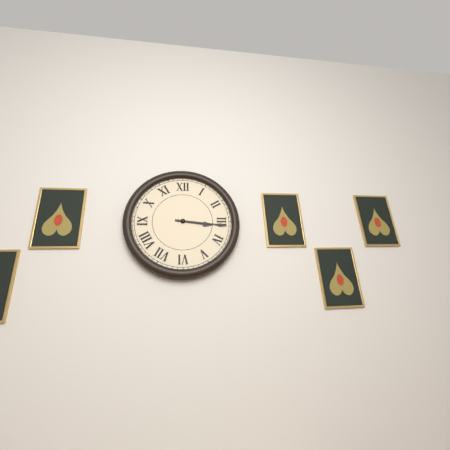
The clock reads **3:16**
